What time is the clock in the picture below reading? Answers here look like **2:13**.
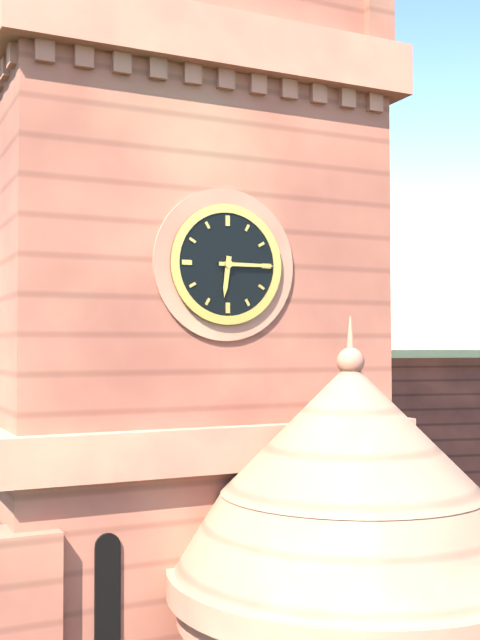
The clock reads **6:15**
